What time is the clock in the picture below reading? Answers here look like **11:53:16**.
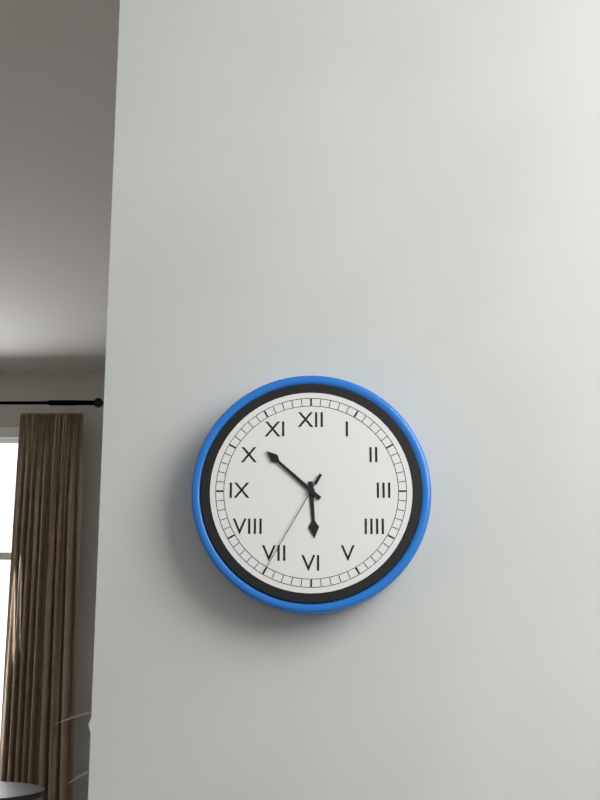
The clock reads **5:52:35**
